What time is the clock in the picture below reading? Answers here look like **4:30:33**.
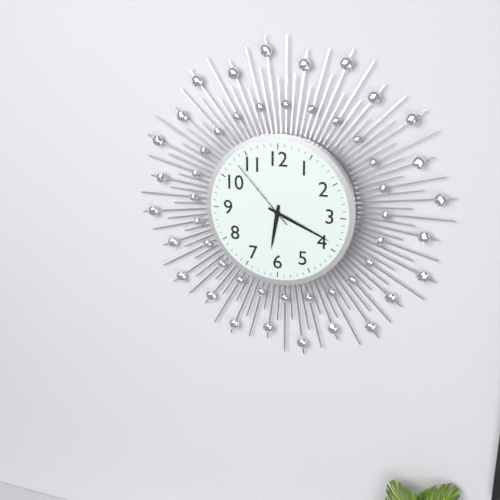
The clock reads **6:19:53**
